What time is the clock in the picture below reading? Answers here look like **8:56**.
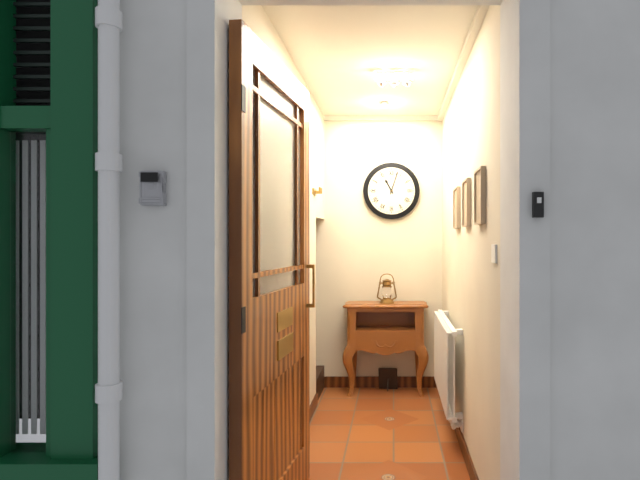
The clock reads **11:03**
